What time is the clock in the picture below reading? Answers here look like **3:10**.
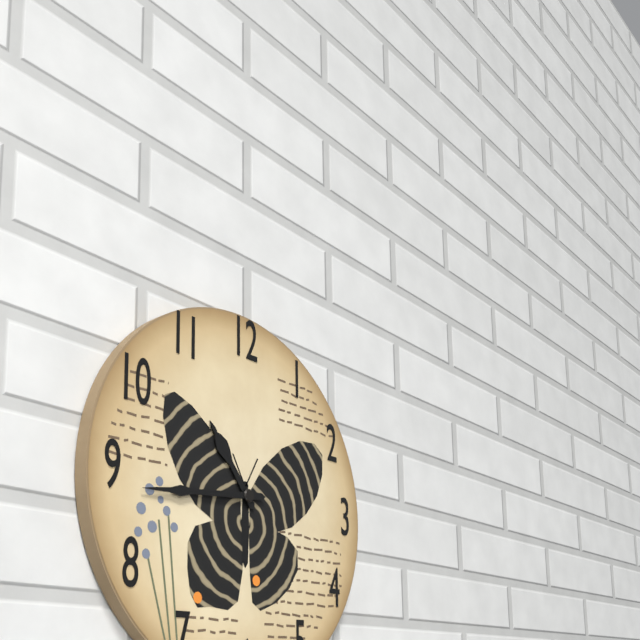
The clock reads **10:44**
